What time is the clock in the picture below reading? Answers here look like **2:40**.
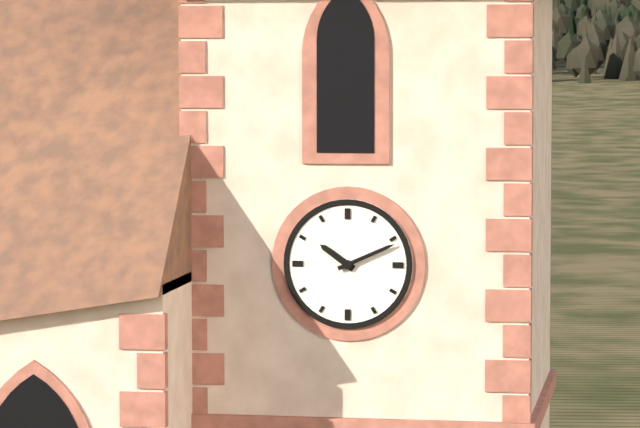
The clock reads **10:11**
